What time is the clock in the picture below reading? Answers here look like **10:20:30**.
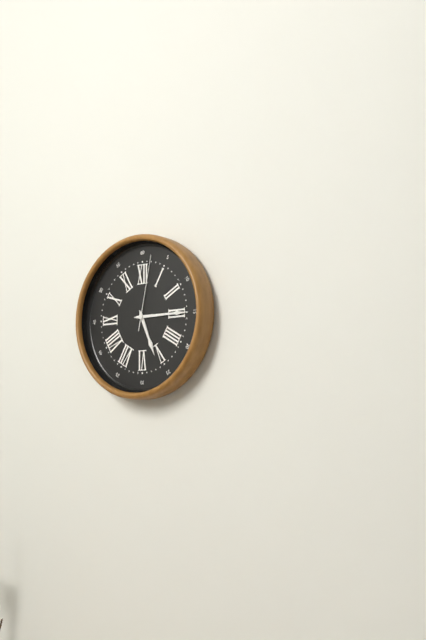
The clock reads **5:15:02**
